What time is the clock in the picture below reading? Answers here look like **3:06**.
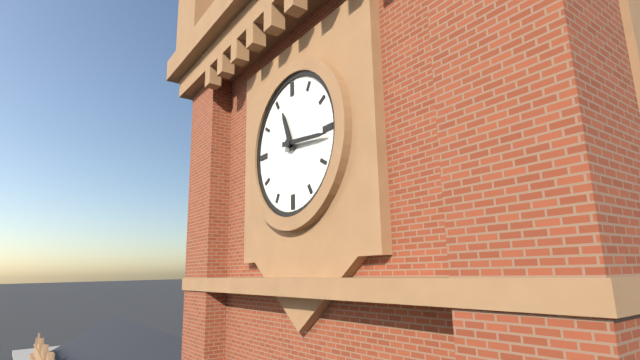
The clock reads **11:16**
